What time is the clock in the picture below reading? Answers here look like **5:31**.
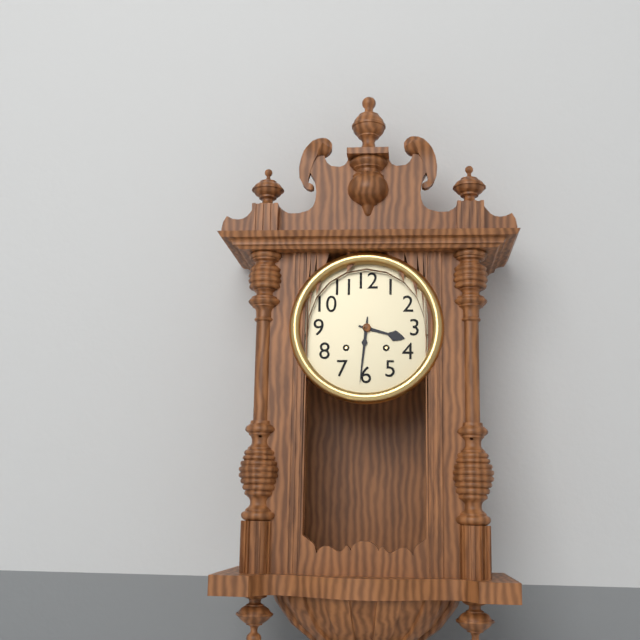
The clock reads **3:31**
